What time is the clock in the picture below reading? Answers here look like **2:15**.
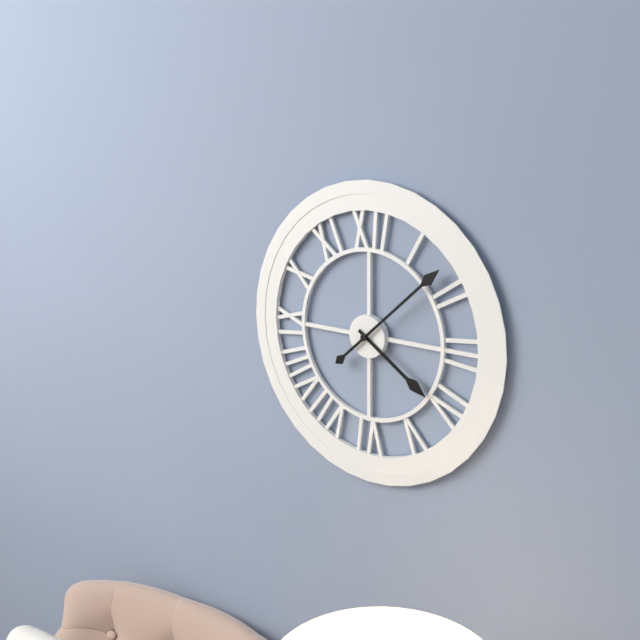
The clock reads **4:08**
